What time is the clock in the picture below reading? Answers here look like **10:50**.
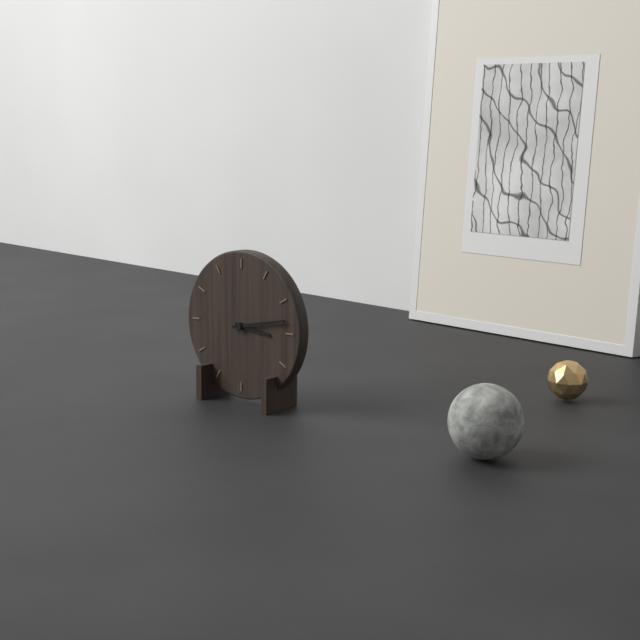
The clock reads **3:13**
